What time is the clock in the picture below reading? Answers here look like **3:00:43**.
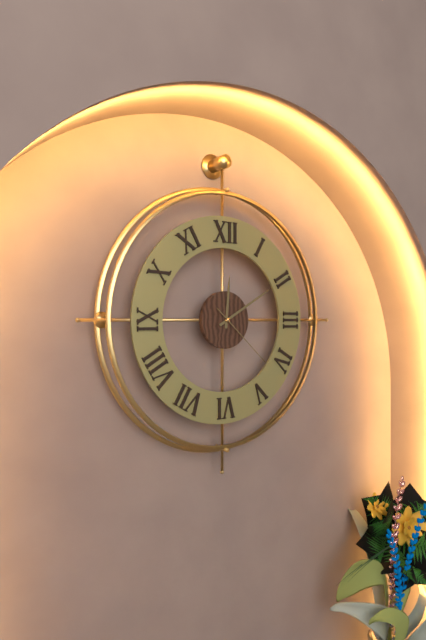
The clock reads **12:10:22**
